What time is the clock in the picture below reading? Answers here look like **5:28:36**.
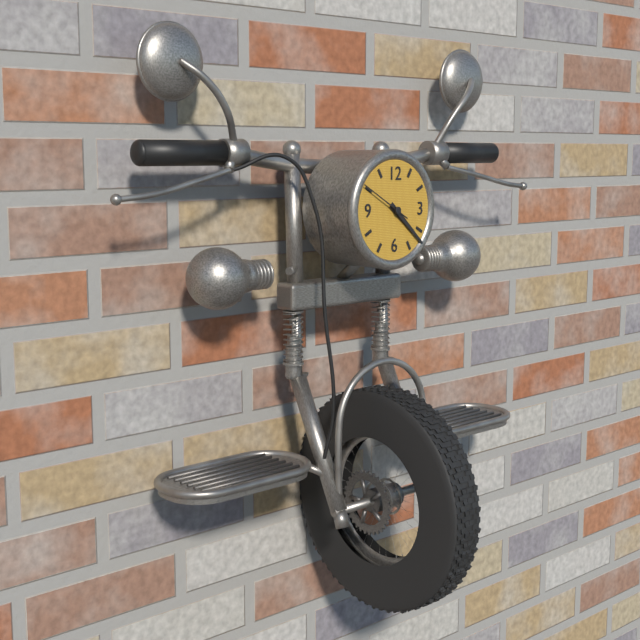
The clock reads **4:22:50**
